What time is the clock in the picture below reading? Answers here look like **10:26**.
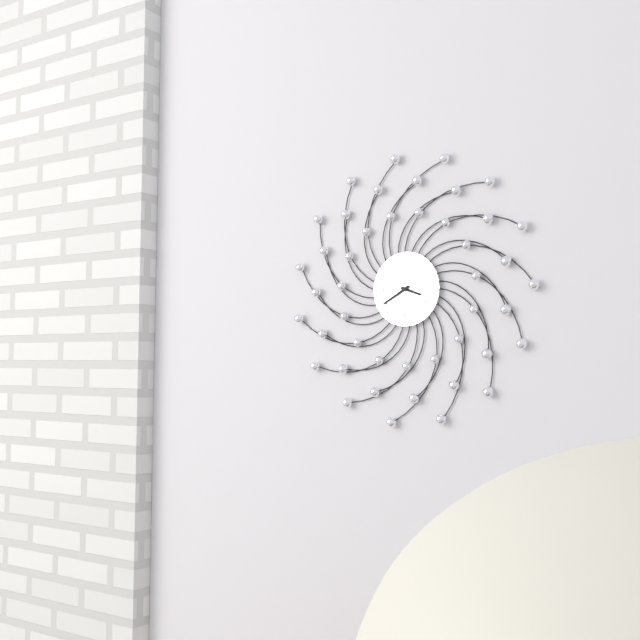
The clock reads **3:40**
